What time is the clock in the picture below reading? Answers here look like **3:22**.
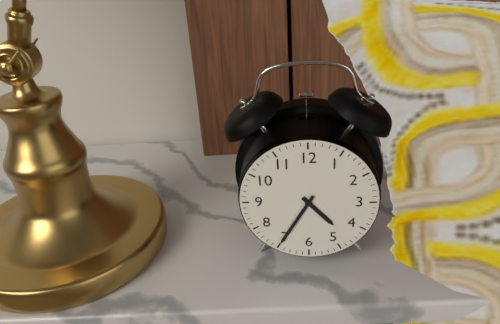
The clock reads **4:35**
